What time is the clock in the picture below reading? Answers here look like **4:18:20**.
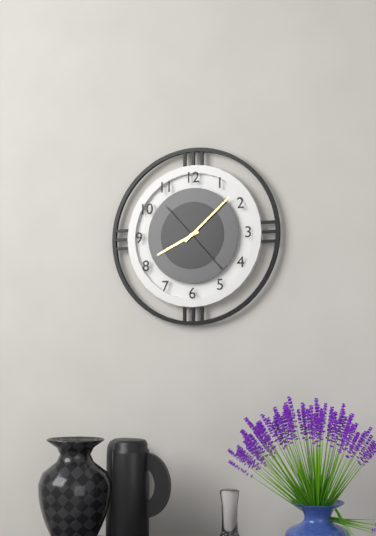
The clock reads **8:08:23**
